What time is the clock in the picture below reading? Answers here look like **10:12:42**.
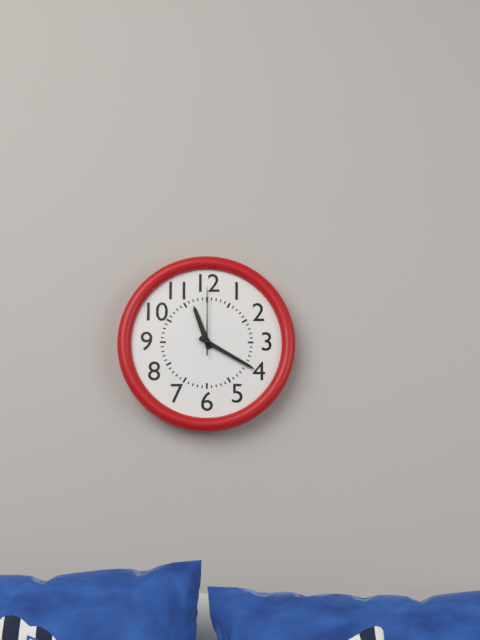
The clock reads **11:20:00**
